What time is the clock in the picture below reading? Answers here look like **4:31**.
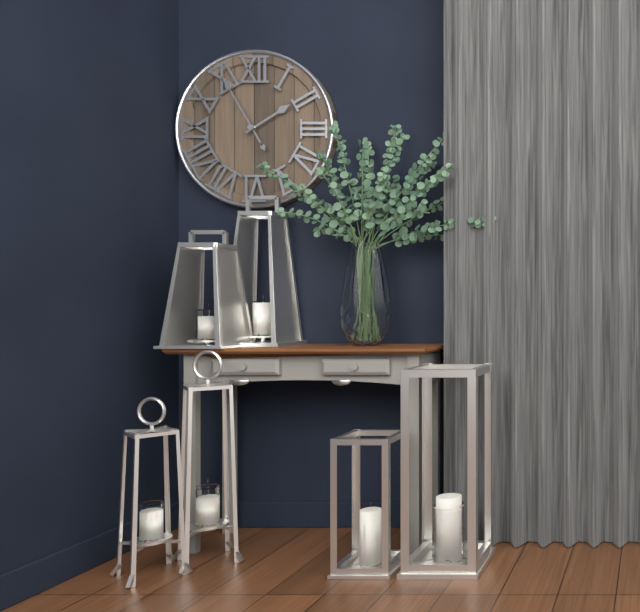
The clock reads **1:55**
